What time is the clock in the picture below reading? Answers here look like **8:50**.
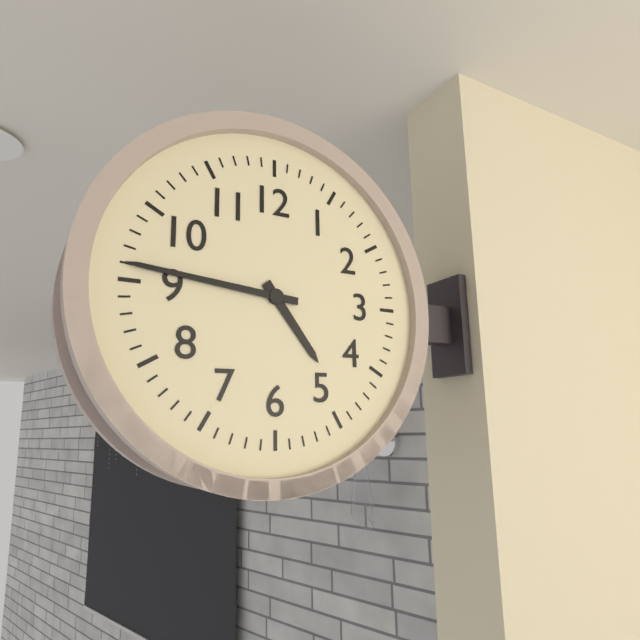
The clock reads **4:46**
